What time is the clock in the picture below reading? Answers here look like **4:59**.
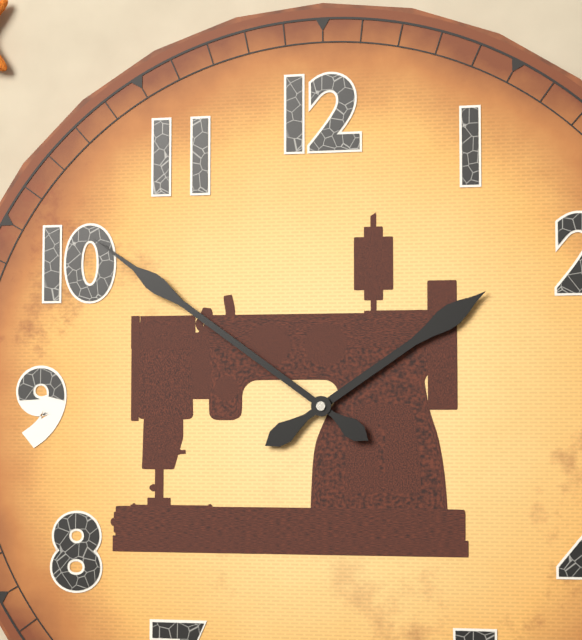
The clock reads **1:51**
